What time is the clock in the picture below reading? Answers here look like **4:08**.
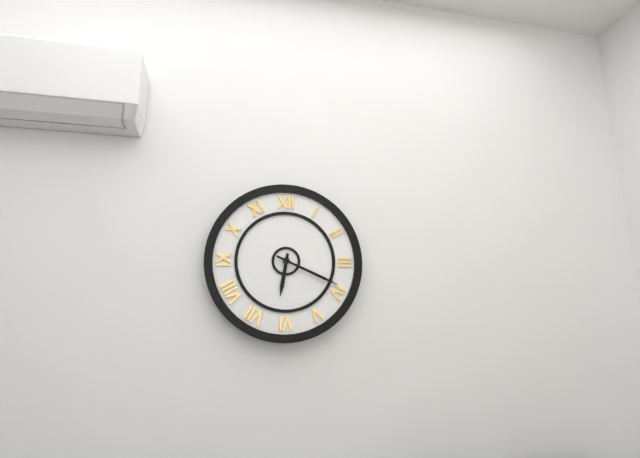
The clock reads **6:19**
